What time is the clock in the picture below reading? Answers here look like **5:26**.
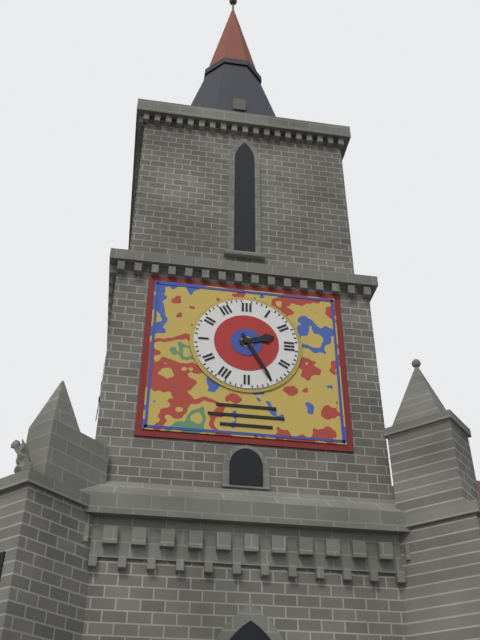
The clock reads **2:25**
